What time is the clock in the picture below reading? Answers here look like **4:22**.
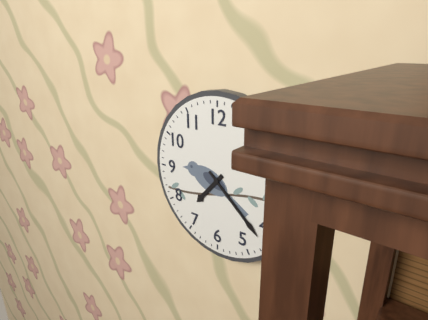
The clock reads **7:22**
